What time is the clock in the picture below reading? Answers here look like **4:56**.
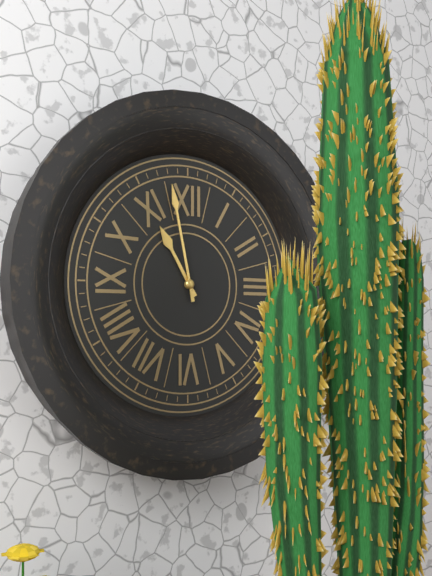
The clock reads **10:58**
